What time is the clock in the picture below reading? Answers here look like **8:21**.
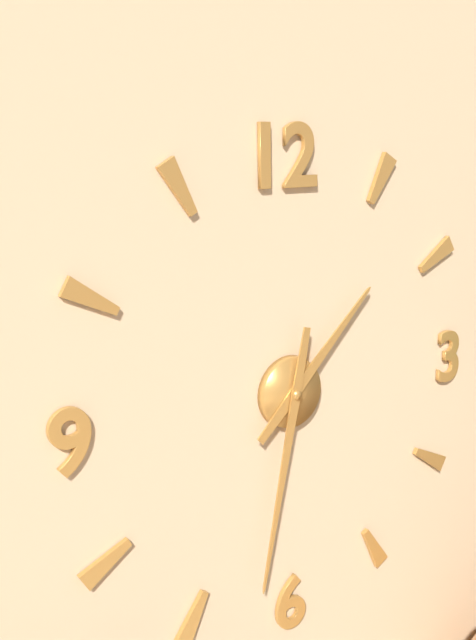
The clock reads **1:32**
